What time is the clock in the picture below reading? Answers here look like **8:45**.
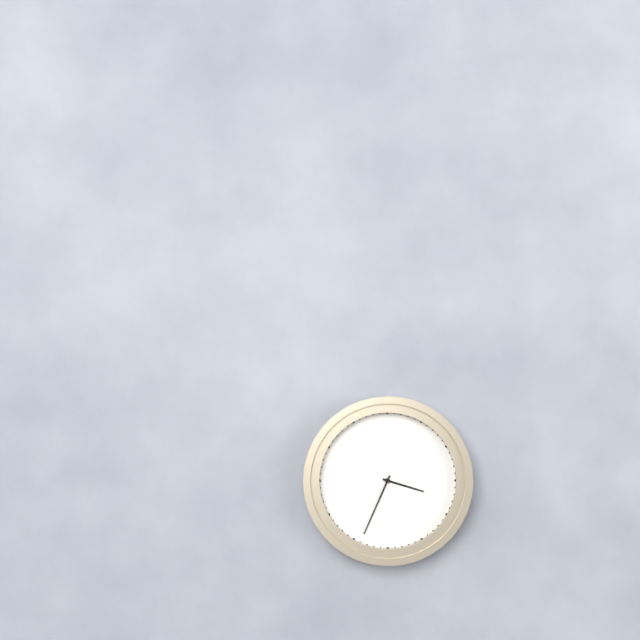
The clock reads **3:34**
